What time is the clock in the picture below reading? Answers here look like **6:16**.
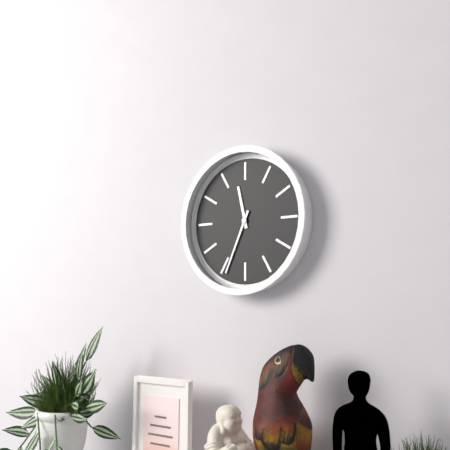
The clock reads **11:34**
